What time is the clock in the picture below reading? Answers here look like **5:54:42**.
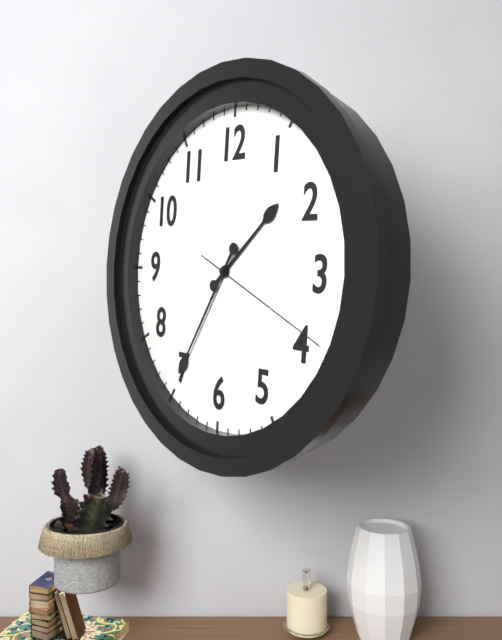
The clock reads **1:35:19**
